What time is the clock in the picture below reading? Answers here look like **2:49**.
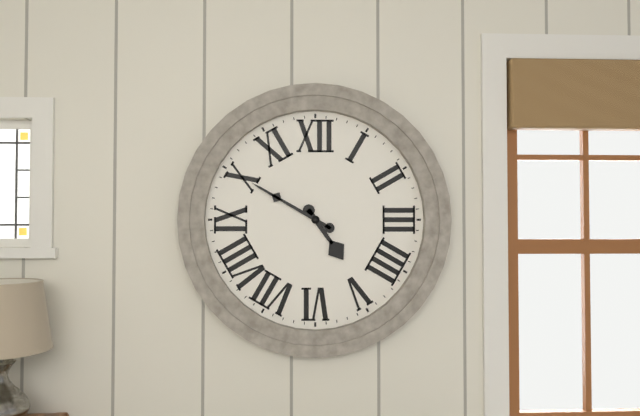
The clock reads **4:50**
